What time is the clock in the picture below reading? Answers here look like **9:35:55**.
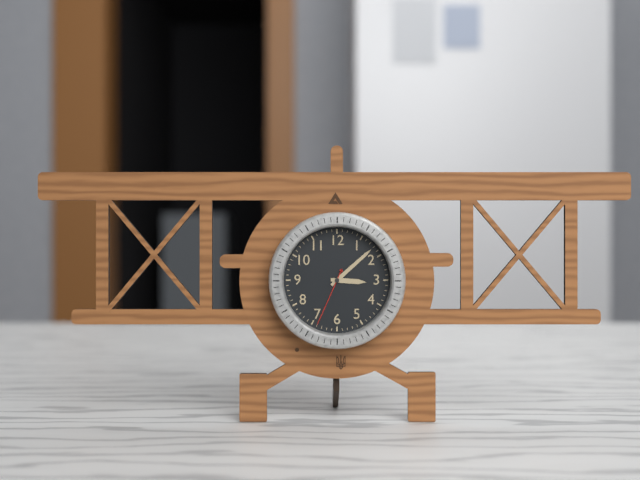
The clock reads **3:08:34**
